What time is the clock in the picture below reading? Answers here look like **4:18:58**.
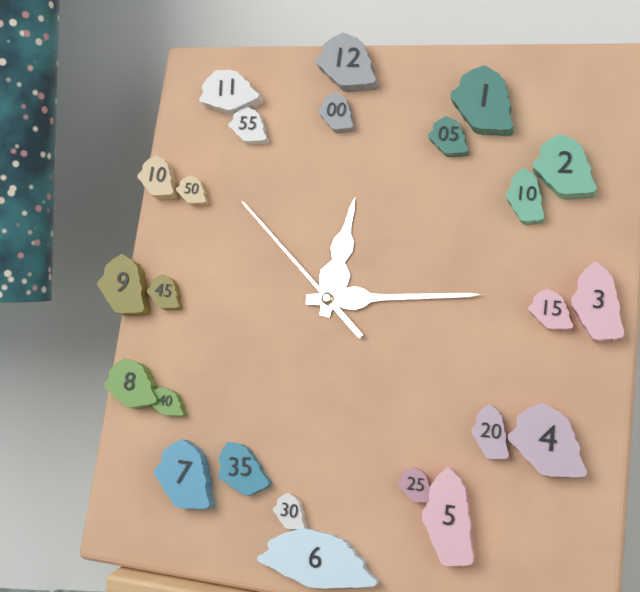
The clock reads **12:14:52**
